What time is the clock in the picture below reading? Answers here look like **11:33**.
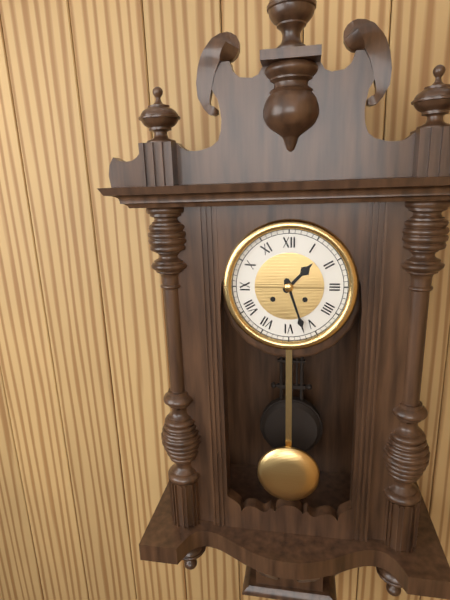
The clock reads **1:27**
